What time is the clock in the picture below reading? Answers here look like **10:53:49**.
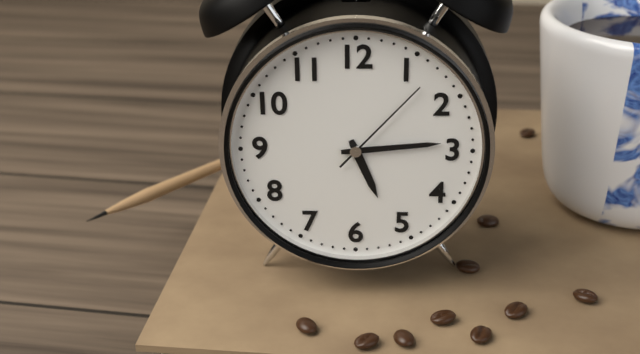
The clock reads **5:14:07**
